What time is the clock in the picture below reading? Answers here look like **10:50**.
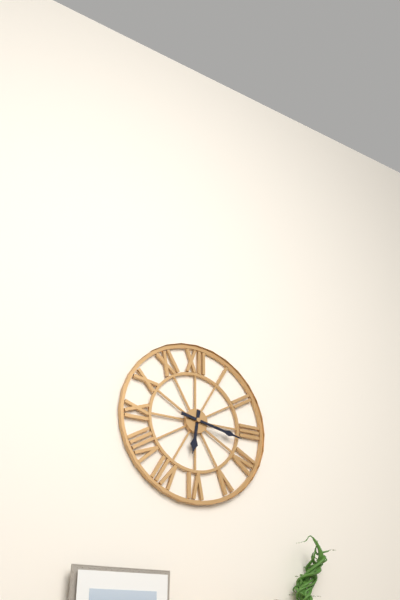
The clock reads **6:17**
